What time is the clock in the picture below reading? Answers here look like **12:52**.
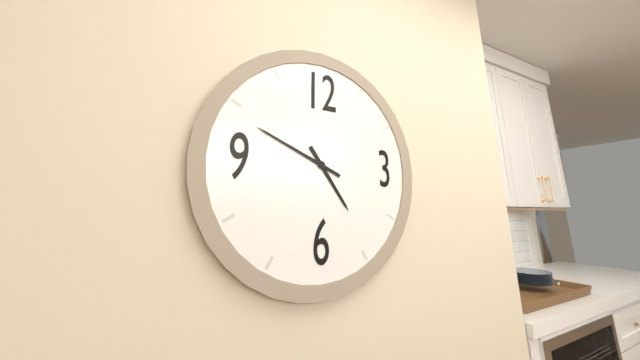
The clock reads **4:49**
